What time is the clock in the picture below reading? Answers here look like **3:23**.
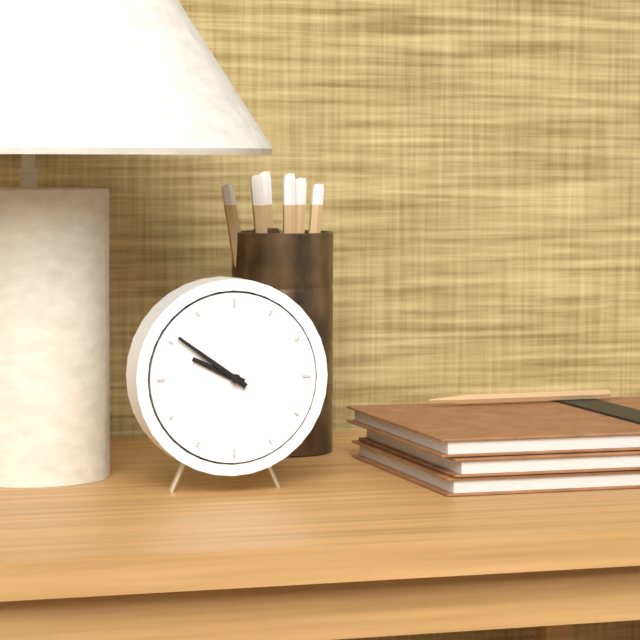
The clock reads **9:51**
